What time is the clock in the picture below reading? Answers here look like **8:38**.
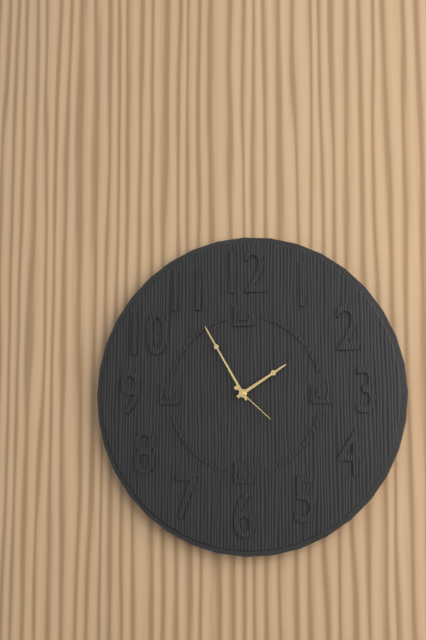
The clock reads **1:55**
